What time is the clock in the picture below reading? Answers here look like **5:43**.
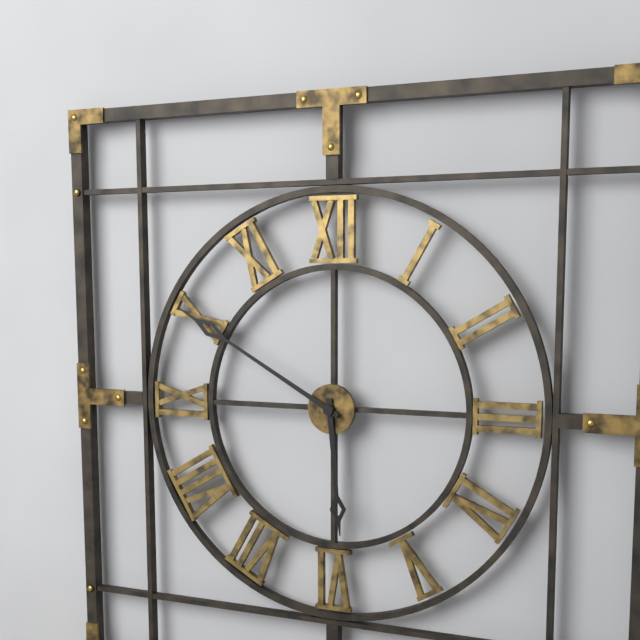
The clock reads **5:50**
